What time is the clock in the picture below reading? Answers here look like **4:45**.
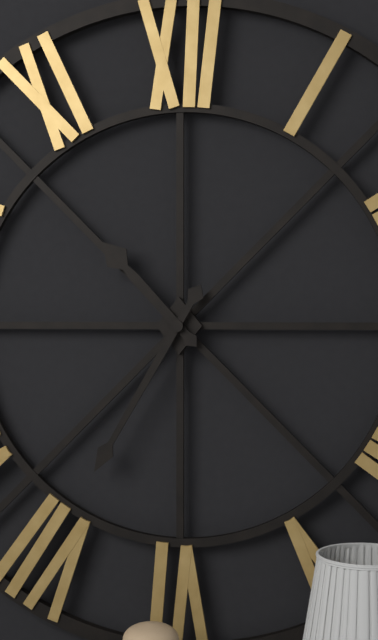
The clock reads **10:35**
